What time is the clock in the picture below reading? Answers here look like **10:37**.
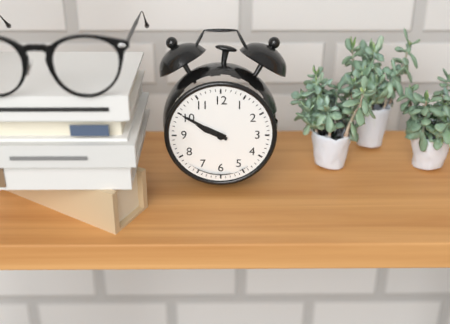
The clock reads **9:50**
